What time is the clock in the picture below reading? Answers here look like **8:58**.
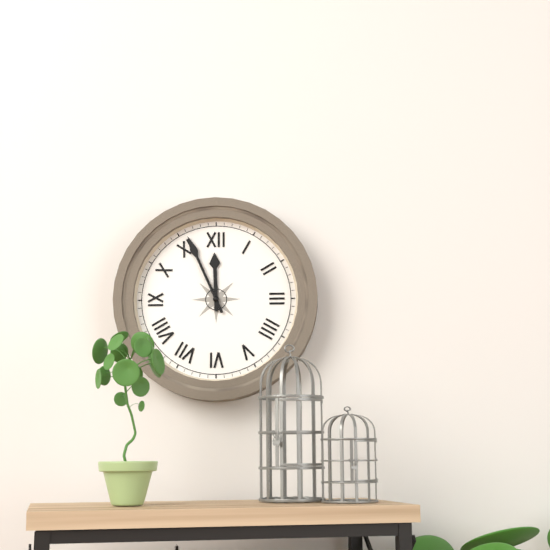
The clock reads **11:56**
